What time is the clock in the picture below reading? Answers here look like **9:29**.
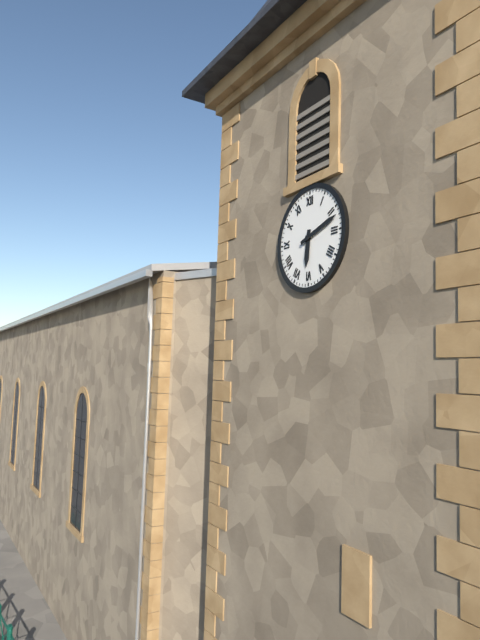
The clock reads **6:12**
